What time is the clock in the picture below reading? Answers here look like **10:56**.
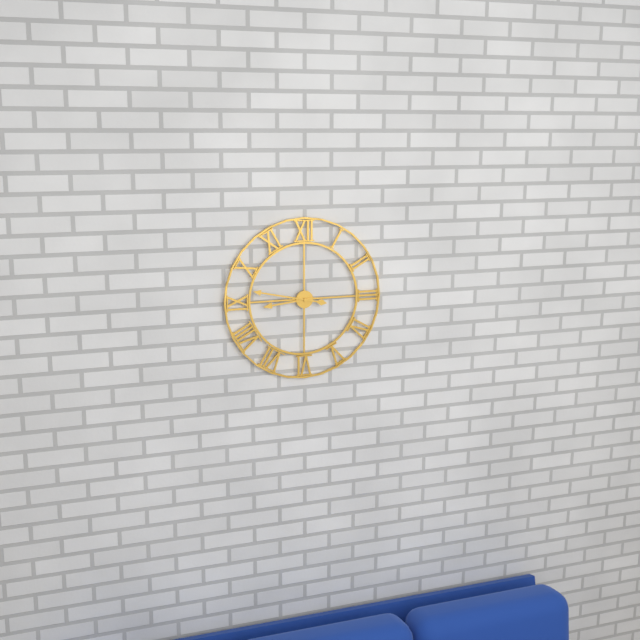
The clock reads **8:47**
